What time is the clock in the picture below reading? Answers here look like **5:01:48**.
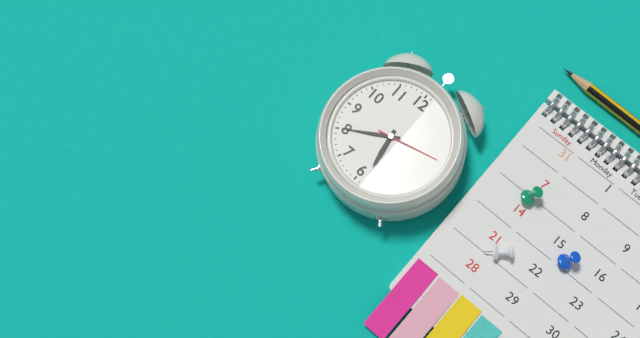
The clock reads **5:40:13**
